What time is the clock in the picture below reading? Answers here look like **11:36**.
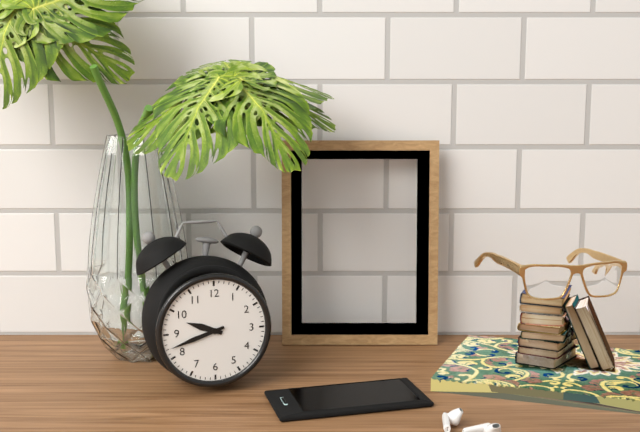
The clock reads **9:42**
